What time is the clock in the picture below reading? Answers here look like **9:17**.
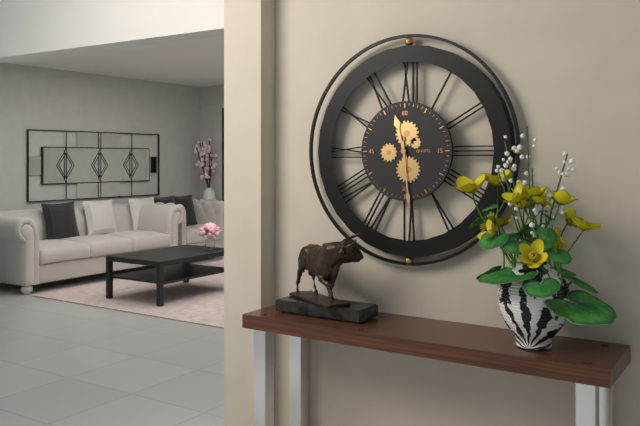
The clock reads **11:29**
